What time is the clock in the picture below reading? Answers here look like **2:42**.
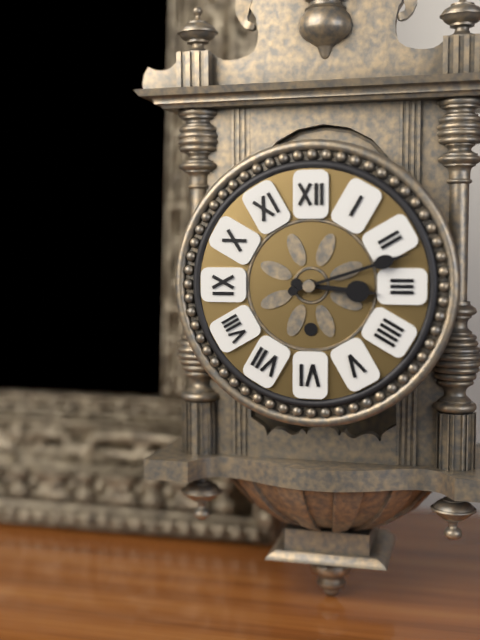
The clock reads **3:12**
